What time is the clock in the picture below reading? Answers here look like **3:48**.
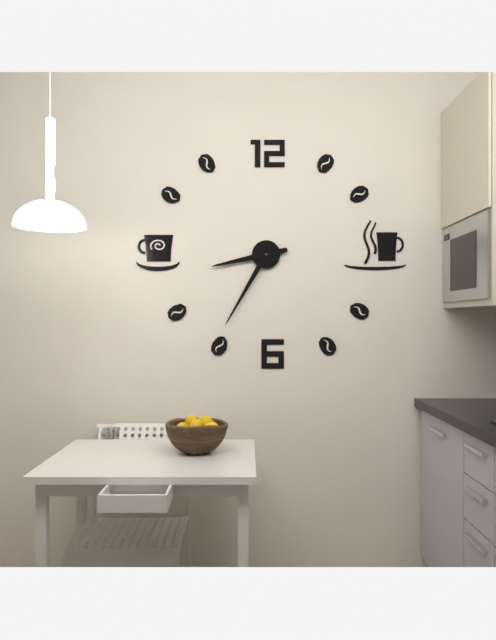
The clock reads **8:35**
